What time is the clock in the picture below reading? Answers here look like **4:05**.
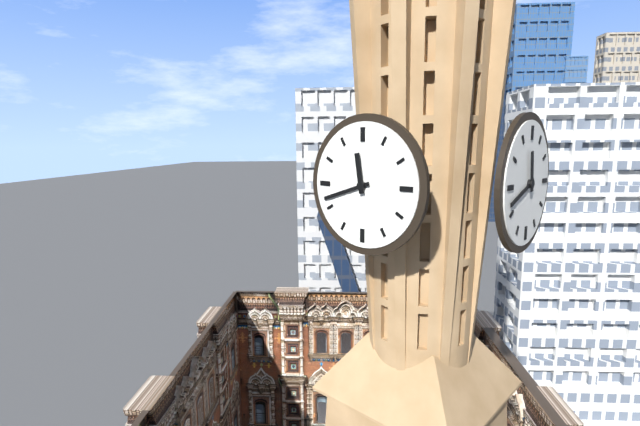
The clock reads **11:42**
